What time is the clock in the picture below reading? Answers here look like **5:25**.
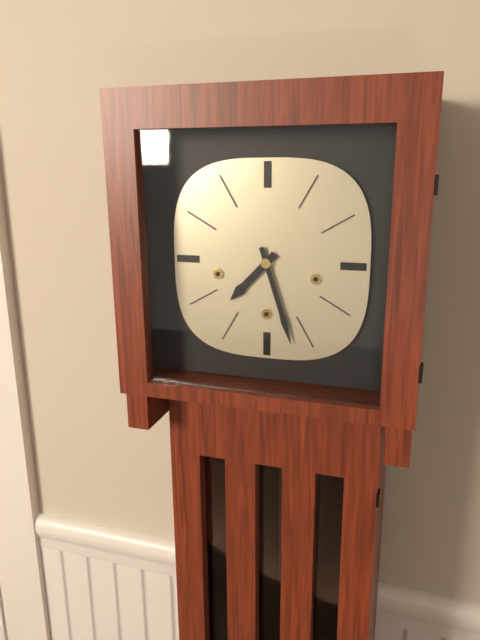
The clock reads **7:27**
